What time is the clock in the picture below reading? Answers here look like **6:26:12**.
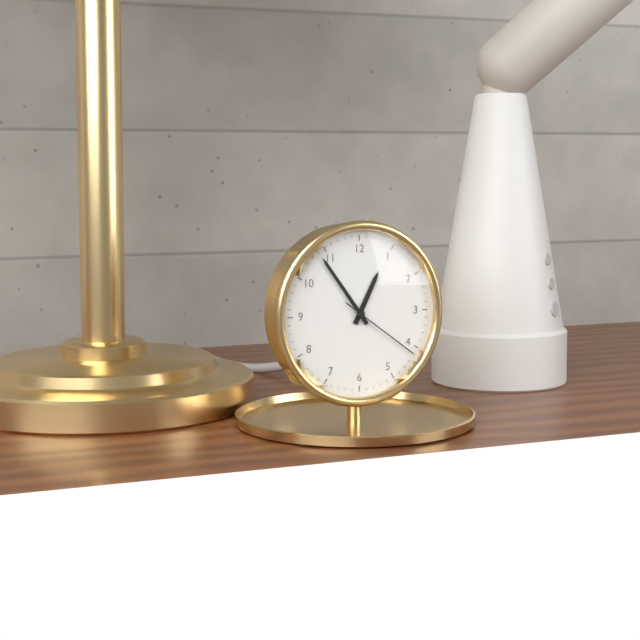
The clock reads **12:54:21**
